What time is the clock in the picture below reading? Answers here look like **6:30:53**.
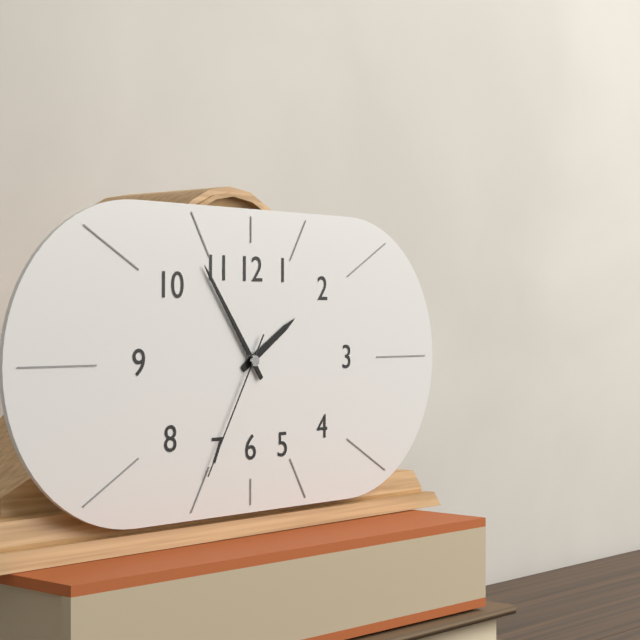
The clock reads **1:54:35**
